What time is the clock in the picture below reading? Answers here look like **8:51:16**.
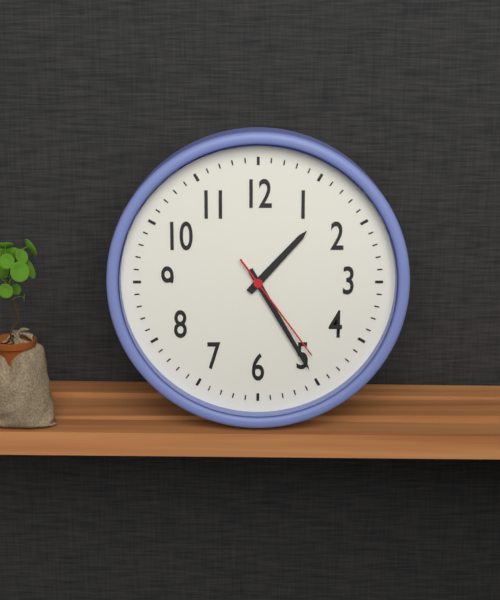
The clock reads **1:25:24**
